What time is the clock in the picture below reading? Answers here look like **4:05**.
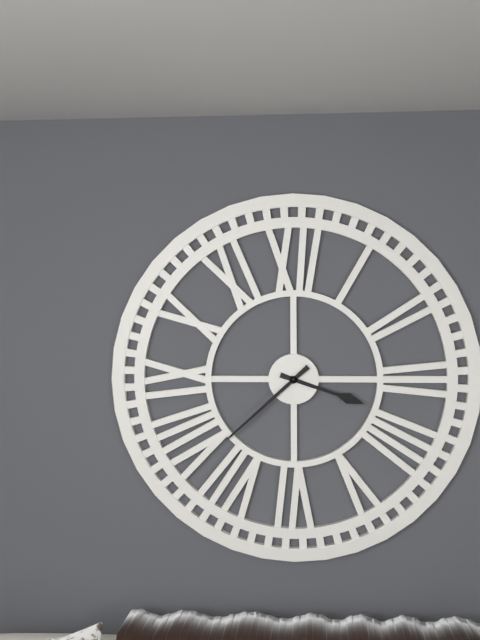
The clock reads **3:38**
